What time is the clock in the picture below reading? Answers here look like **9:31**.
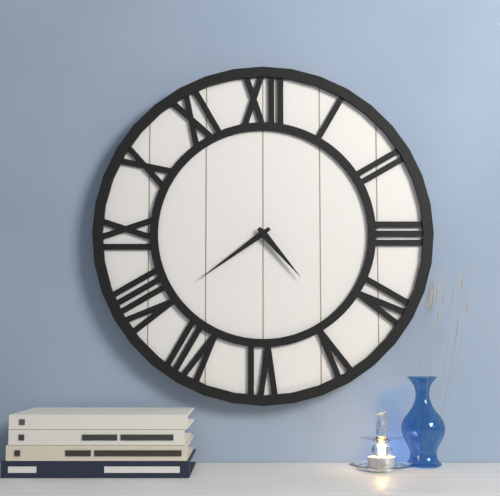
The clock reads **4:39**
